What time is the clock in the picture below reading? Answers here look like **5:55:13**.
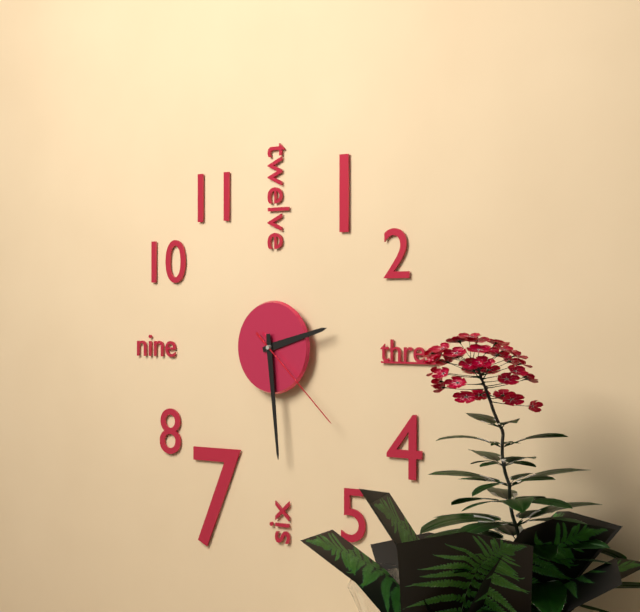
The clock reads **2:29:22**
